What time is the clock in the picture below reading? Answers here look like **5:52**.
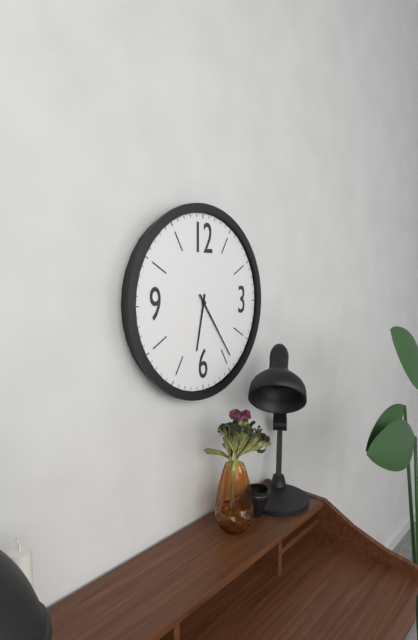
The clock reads **6:24**
